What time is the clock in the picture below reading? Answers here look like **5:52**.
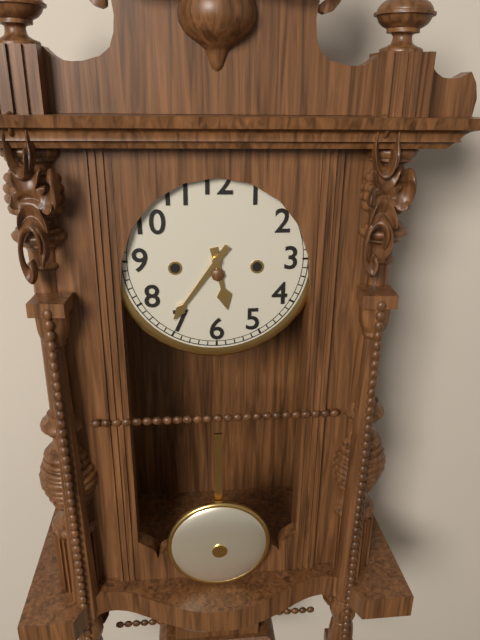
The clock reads **5:36**
